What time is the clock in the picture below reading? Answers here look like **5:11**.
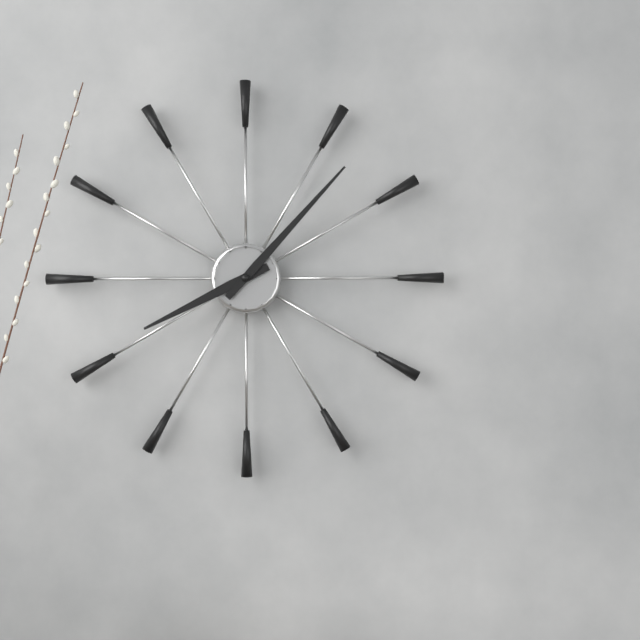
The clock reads **8:07**
